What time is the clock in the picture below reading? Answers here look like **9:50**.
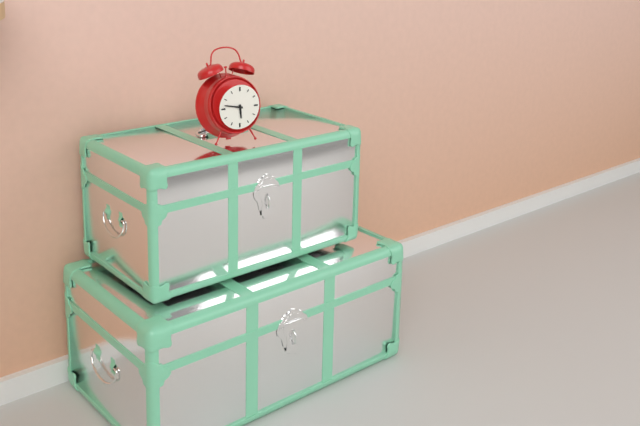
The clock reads **5:47**
